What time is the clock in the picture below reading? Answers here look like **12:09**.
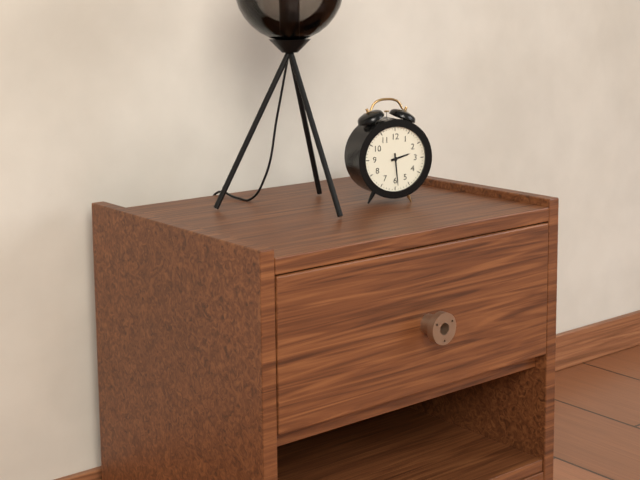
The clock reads **2:29**
